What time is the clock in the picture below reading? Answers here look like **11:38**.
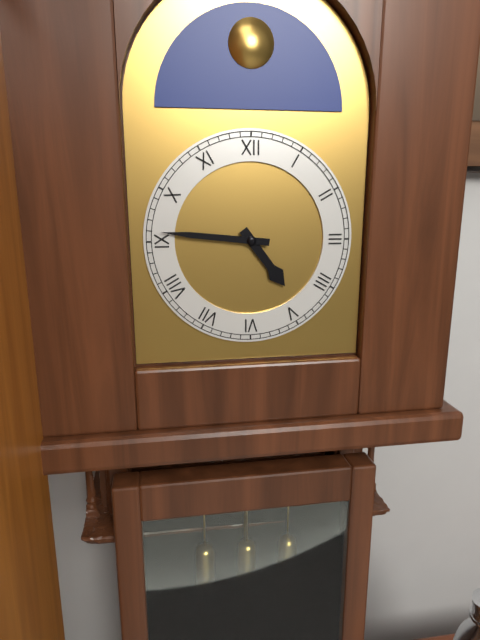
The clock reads **4:46**
